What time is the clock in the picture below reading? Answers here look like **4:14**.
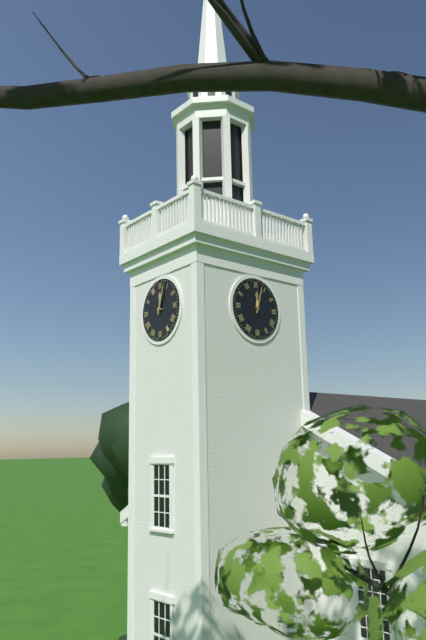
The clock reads **12:03**
